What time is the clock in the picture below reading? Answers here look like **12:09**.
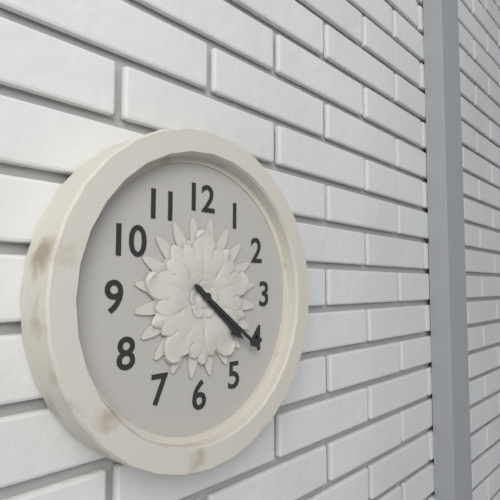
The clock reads **4:21**
